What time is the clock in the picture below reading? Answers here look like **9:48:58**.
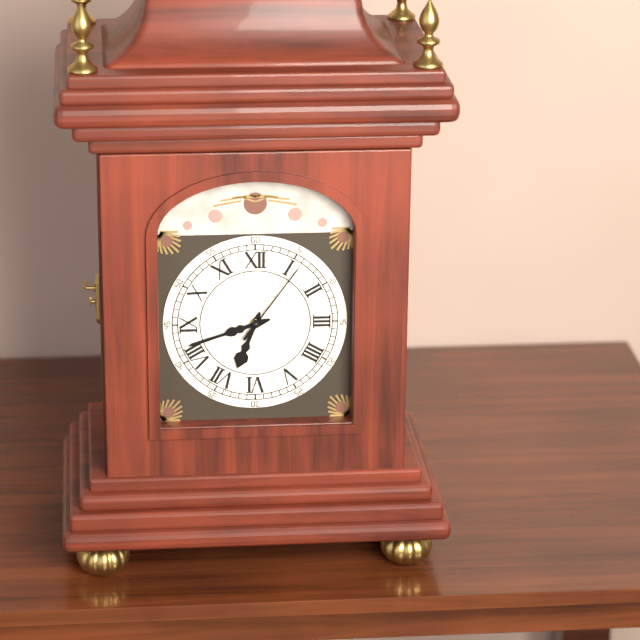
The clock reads **6:42:06**
